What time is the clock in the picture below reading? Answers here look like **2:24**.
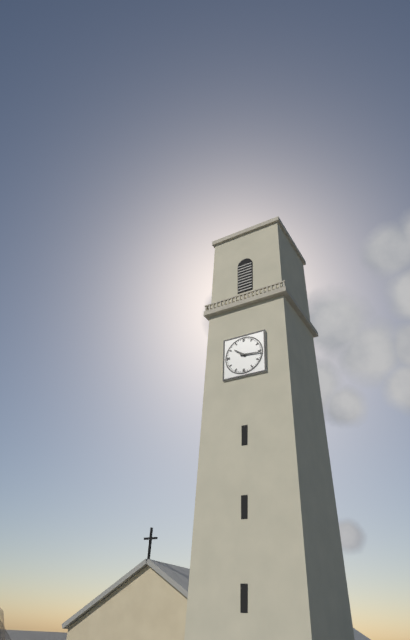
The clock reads **10:16**
